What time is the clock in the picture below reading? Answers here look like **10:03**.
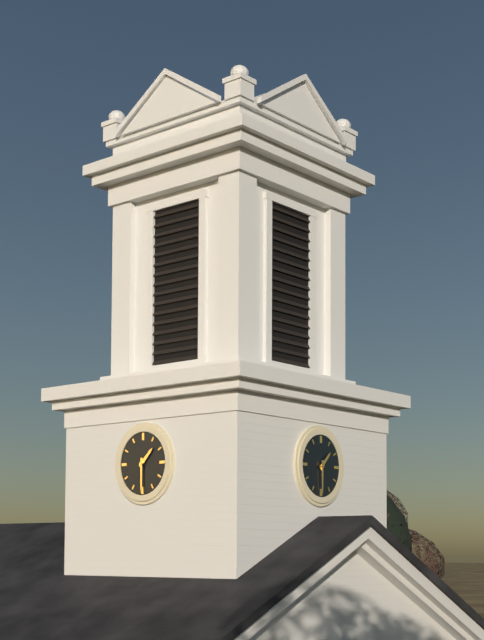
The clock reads **1:30**
